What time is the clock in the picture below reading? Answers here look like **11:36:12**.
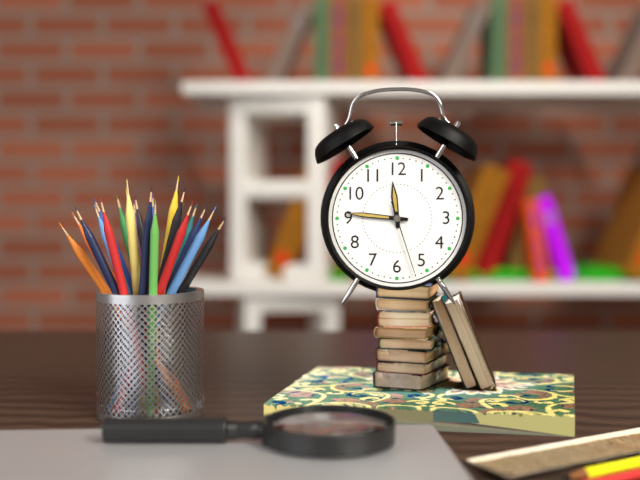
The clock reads **11:46:27**
